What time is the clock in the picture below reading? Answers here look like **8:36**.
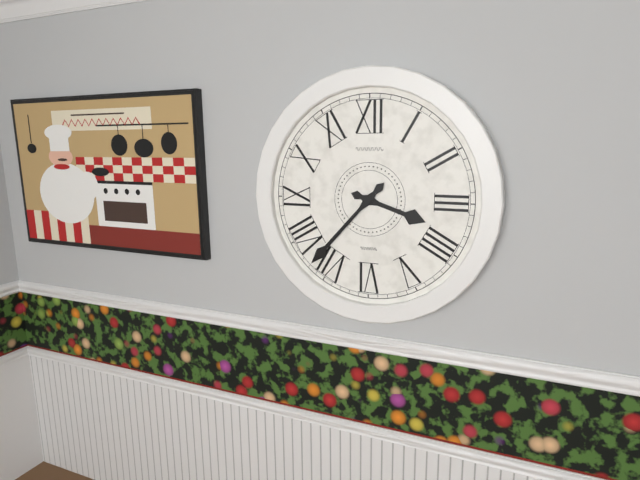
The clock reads **3:37**
